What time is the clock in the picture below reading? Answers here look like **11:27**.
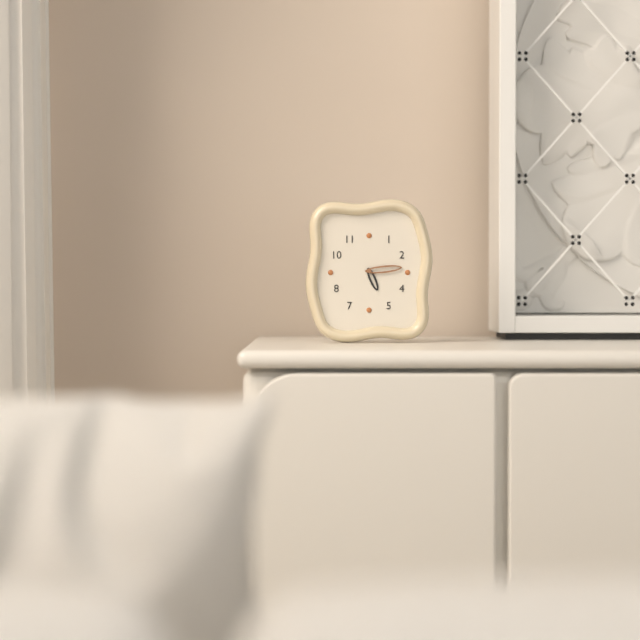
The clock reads **5:14**
